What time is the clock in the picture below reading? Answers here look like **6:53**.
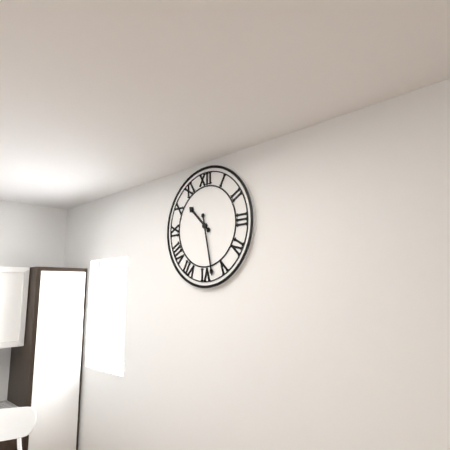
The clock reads **10:28**
